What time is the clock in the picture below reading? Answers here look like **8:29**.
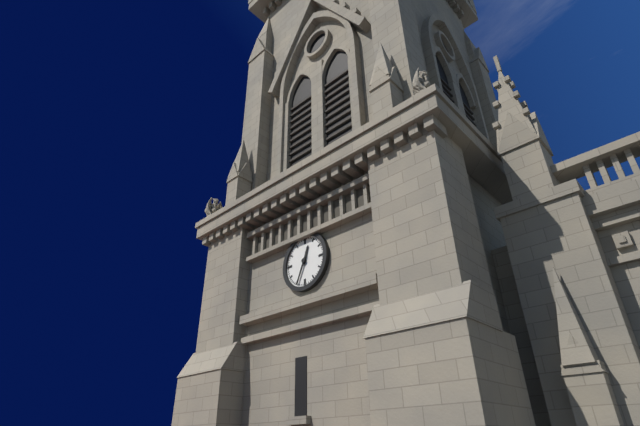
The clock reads **12:34**
